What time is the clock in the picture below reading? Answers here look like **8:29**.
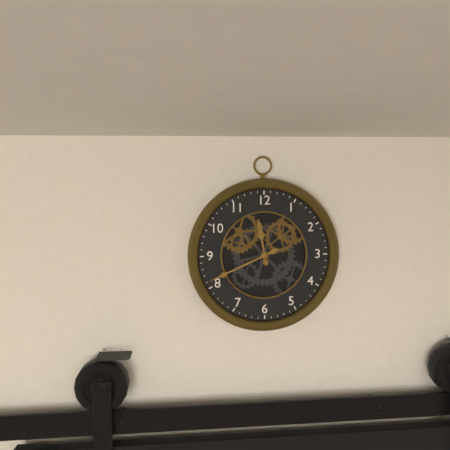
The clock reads **11:41**
